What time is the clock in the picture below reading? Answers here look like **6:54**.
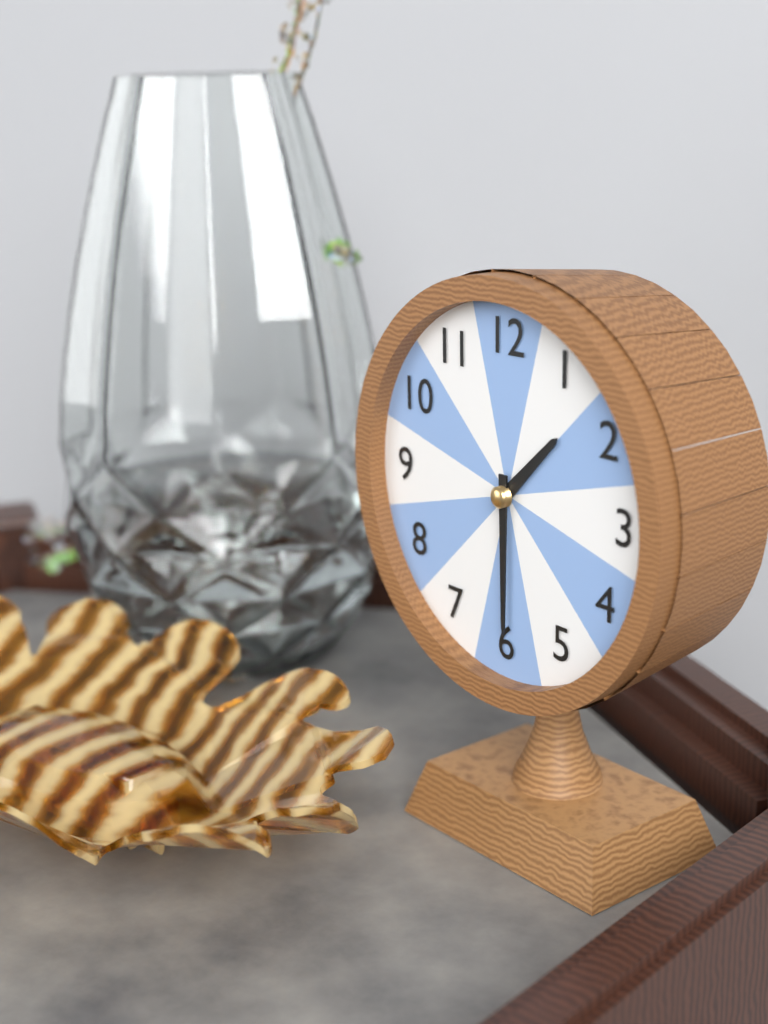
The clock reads **1:30**
